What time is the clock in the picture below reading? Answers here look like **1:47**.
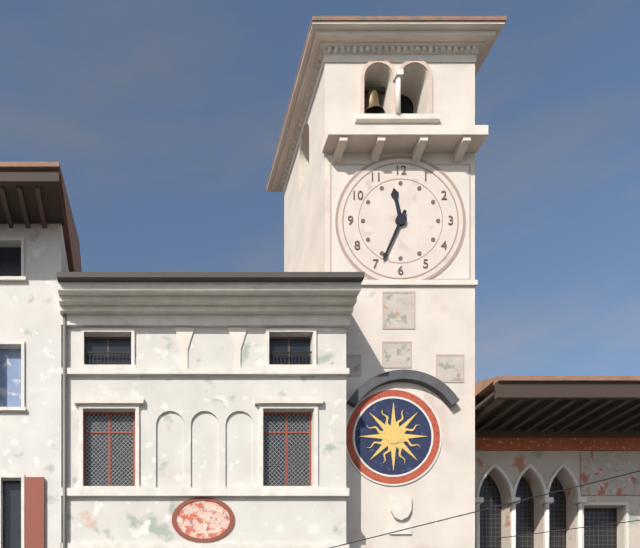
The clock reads **11:34**
